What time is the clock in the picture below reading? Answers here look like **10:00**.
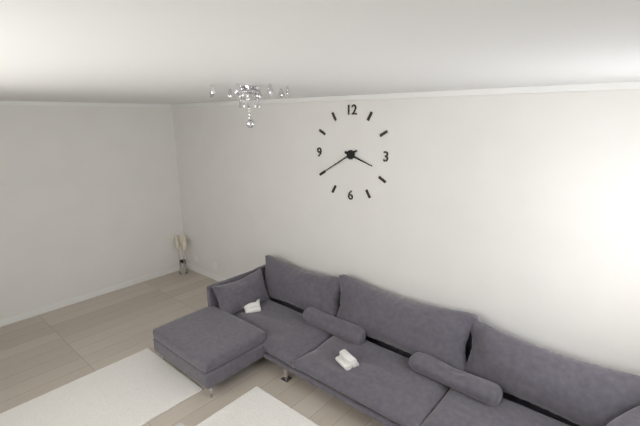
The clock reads **3:40**
